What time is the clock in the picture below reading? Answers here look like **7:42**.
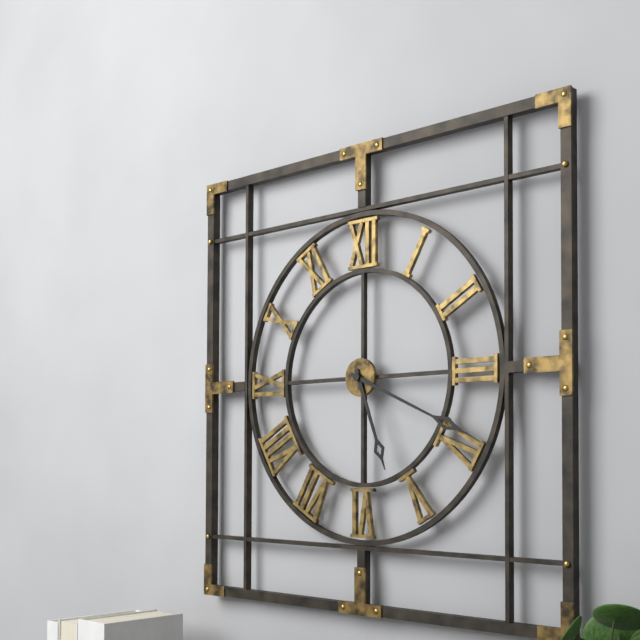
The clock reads **5:19**
